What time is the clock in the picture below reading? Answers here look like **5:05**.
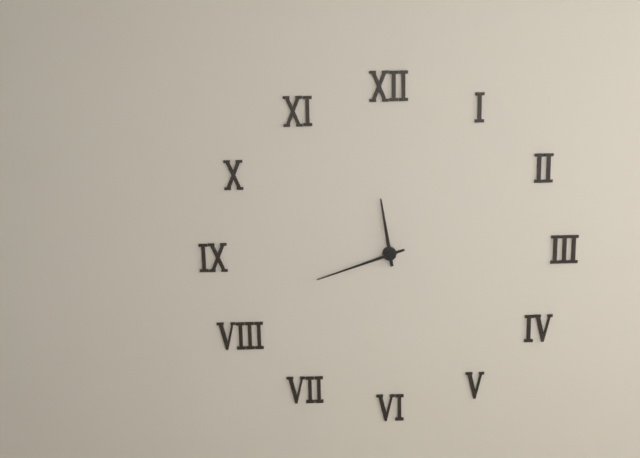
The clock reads **11:42**
